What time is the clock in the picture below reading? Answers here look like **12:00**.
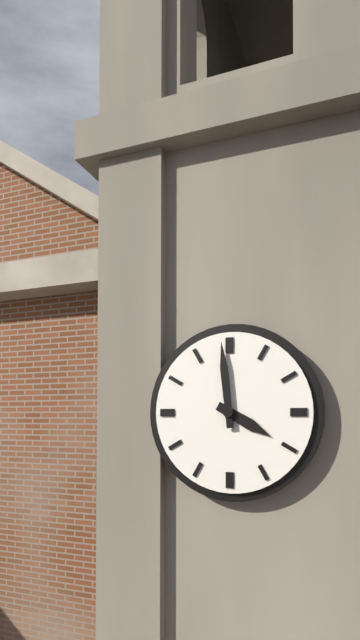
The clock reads **3:59**
